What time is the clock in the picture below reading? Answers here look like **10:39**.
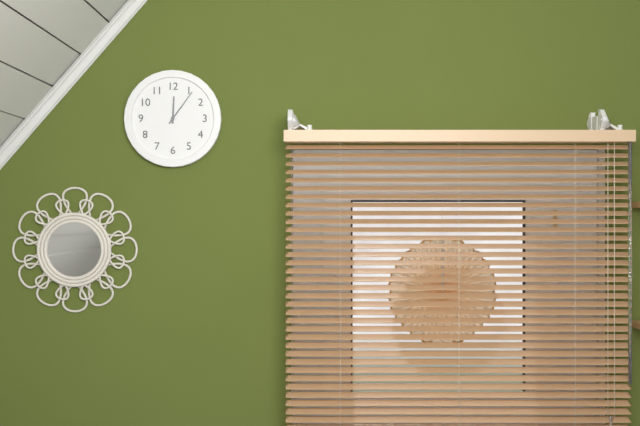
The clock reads **12:06**
